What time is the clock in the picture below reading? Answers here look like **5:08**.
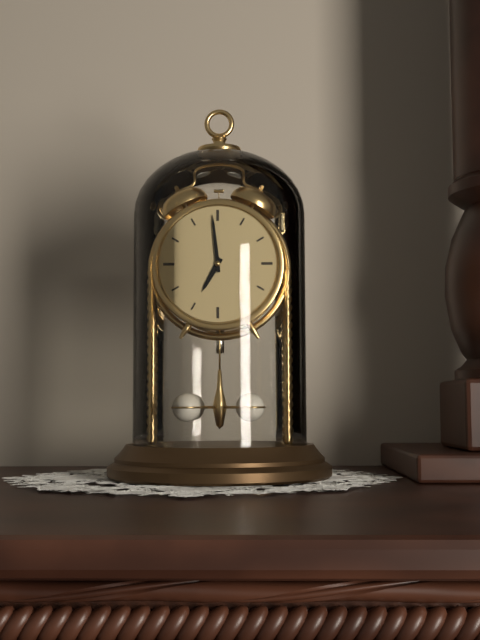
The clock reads **6:59**
